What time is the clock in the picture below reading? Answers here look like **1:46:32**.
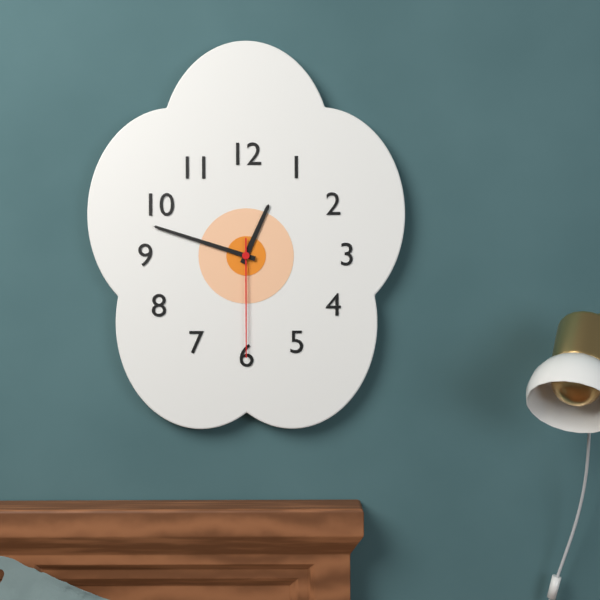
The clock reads **12:48:30**
